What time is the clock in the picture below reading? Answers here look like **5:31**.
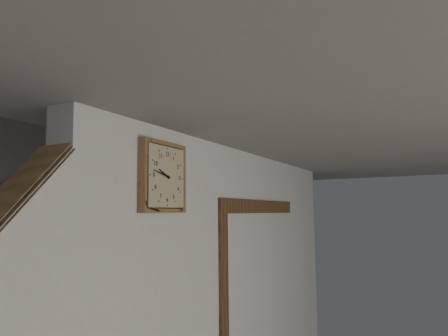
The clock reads **9:47**
